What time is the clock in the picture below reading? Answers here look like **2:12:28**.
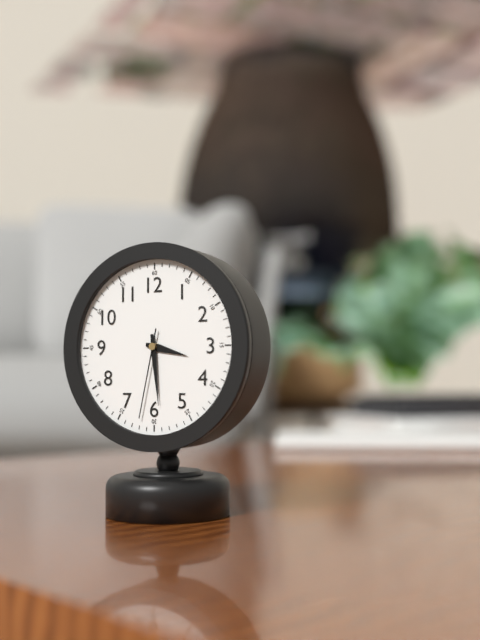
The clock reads **3:29:32**
